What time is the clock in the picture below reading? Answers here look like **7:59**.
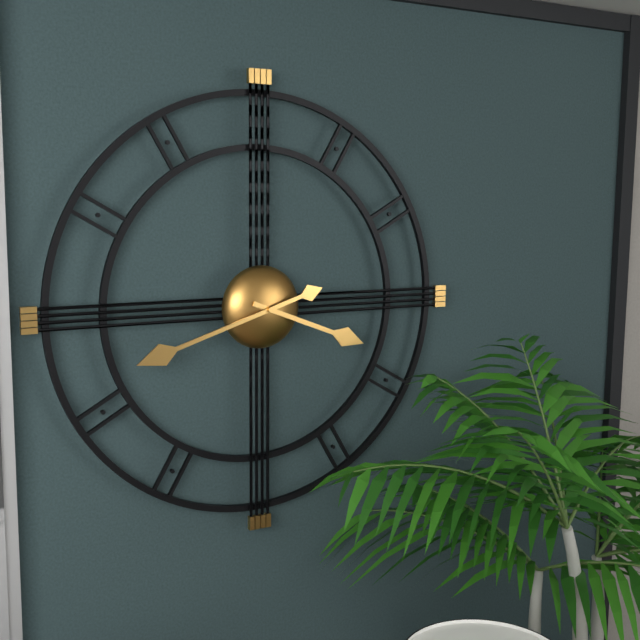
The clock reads **3:42**
